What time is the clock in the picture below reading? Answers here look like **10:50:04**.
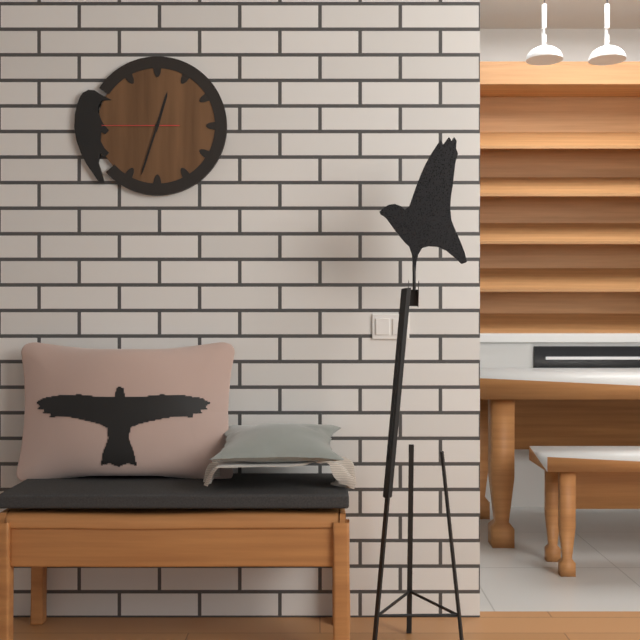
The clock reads **12:33:45**
